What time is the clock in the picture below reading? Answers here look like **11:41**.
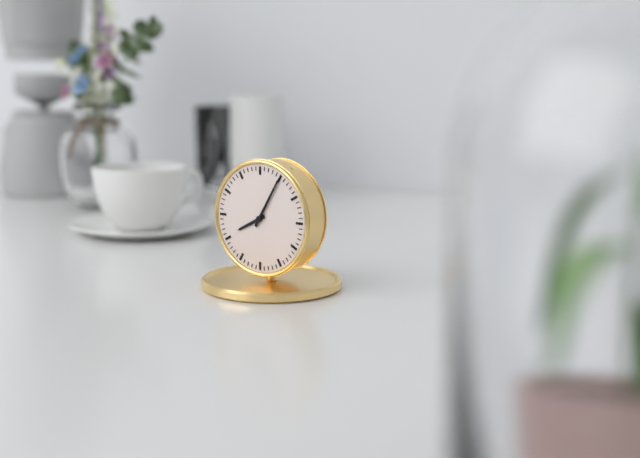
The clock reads **8:05**
